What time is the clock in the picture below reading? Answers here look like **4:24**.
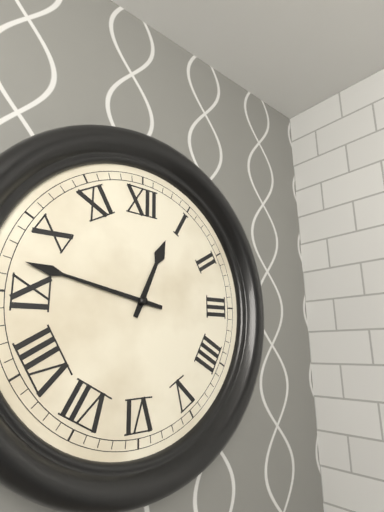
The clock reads **12:47**
